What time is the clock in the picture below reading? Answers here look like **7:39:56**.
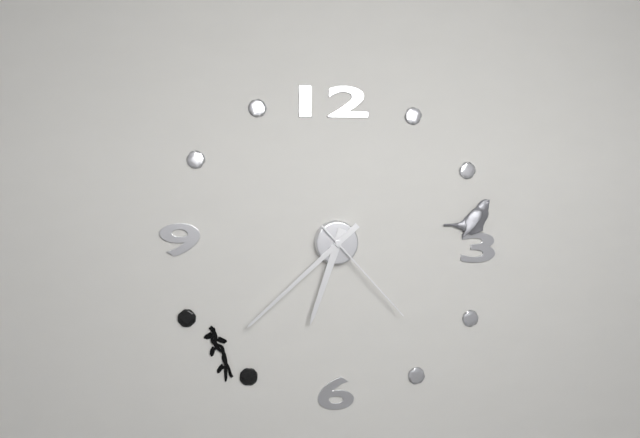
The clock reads **6:38:23**
